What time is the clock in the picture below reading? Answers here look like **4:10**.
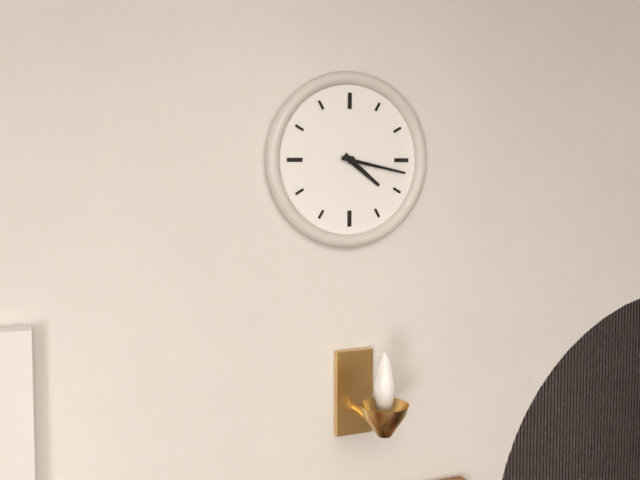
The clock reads **4:17**
